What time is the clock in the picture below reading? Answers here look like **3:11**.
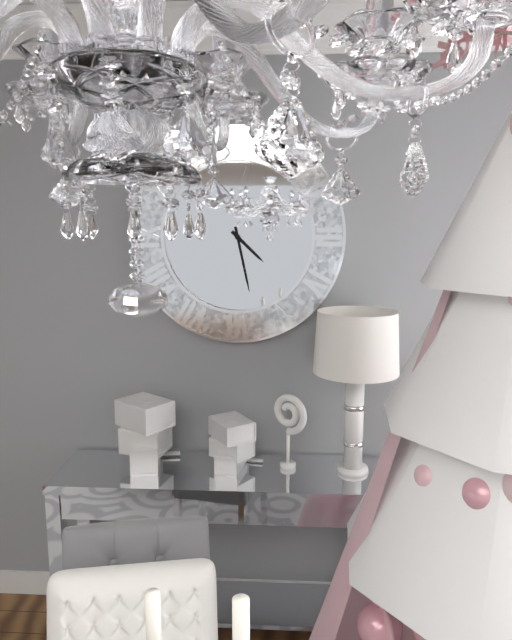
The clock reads **4:28**
